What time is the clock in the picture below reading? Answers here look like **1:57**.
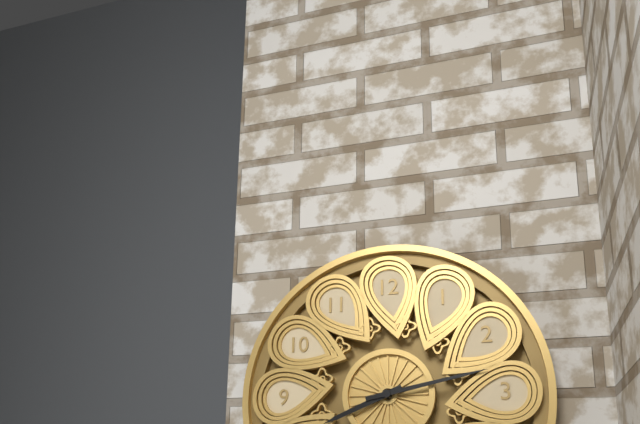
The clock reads **8:13**
